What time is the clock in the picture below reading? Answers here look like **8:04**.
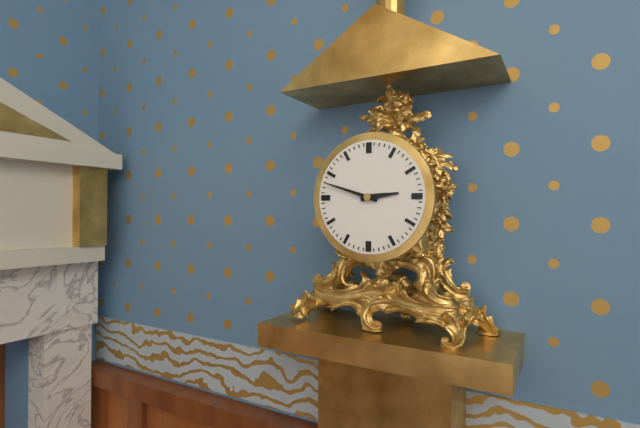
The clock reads **2:48**
